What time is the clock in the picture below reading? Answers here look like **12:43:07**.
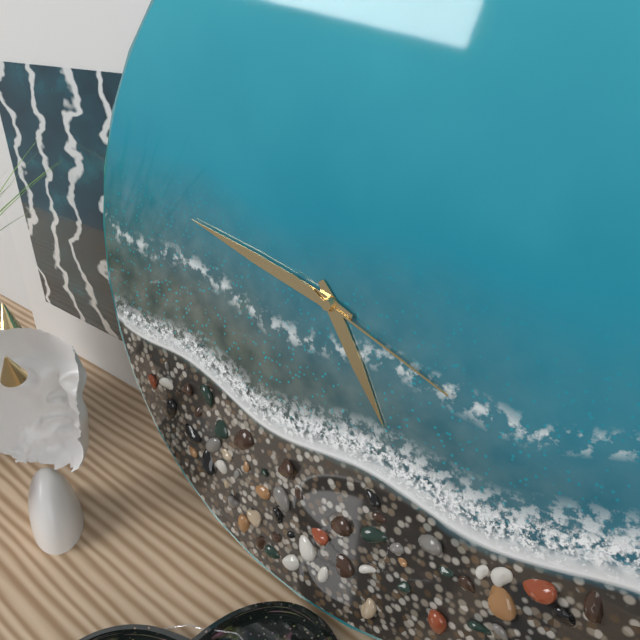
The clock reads **4:47:18**
